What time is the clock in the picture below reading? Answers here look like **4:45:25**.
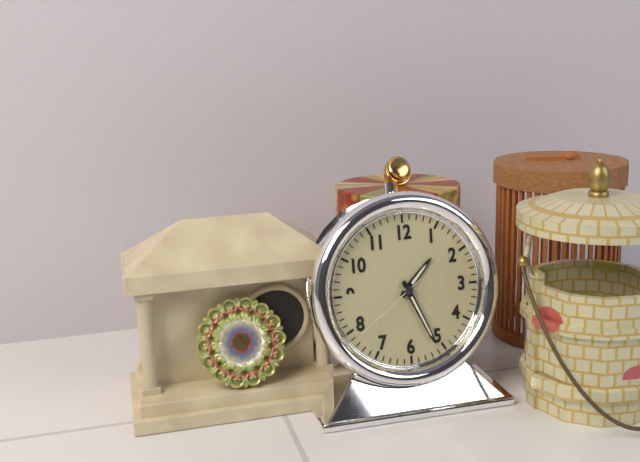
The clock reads **1:26:39**
